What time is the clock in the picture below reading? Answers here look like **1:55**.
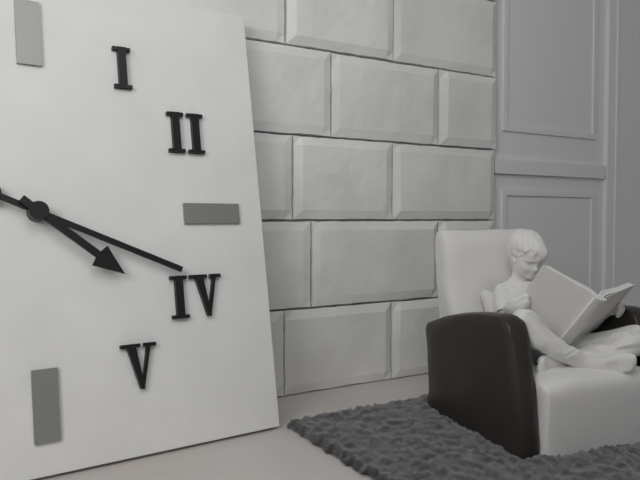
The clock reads **4:19**
